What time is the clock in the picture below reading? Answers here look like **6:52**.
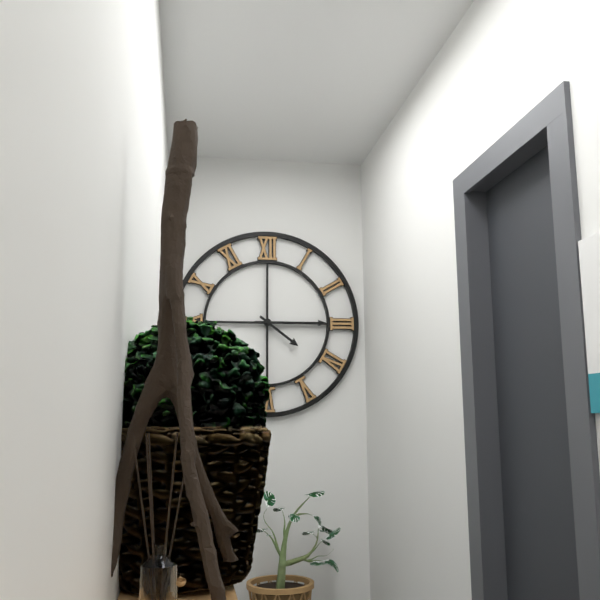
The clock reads **4:15**
